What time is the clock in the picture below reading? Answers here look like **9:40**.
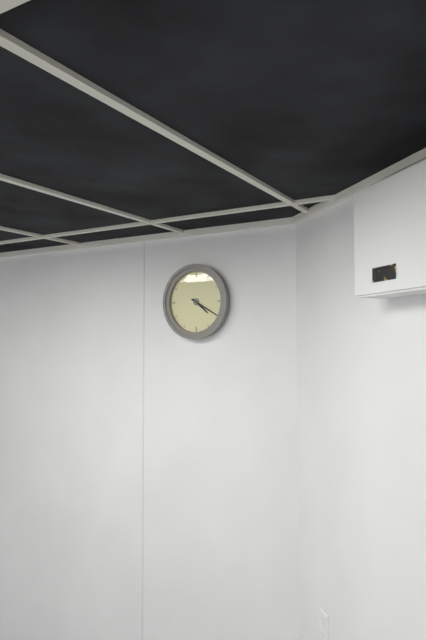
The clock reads **4:20**
